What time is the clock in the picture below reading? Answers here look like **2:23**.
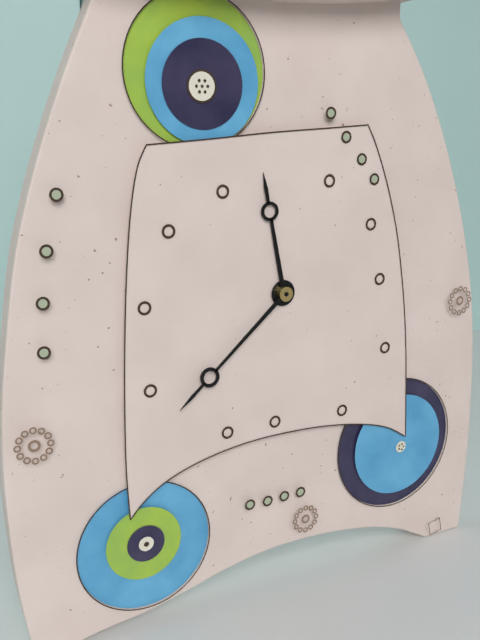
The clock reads **11:38**
